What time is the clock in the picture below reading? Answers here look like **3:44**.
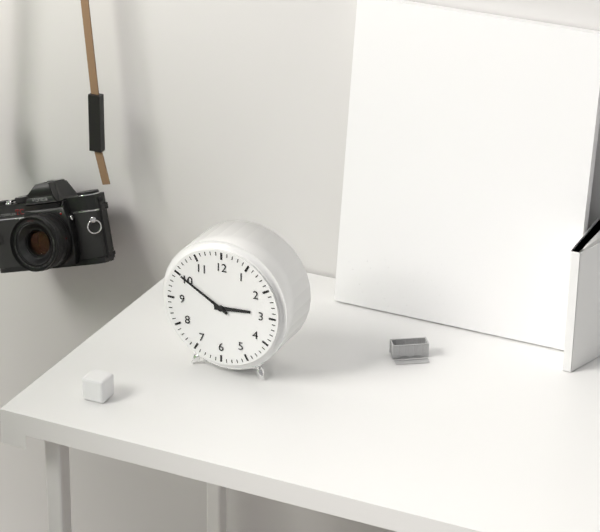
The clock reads **2:50**
